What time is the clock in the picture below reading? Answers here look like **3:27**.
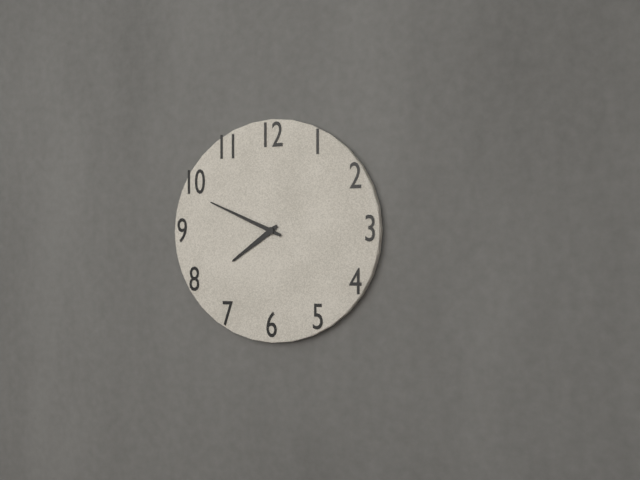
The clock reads **7:49**
